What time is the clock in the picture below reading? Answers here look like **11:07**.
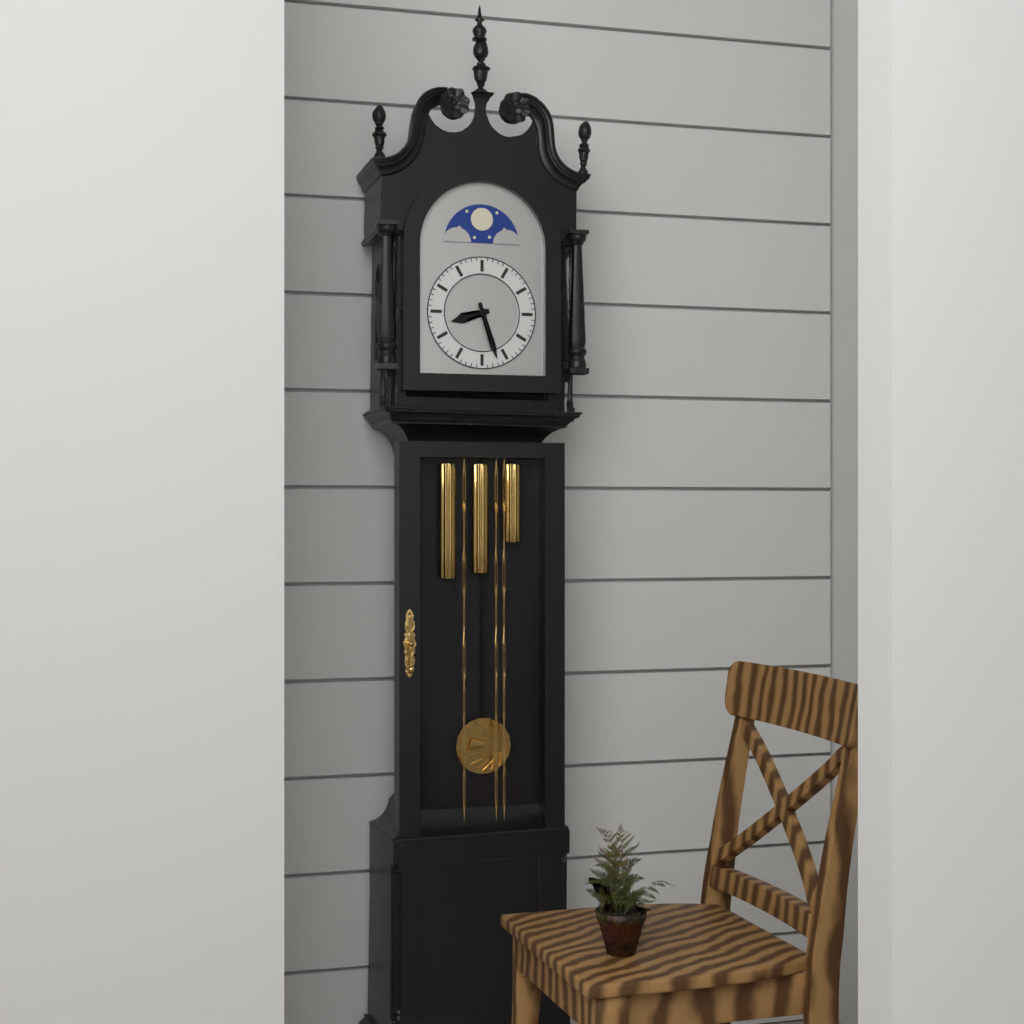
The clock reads **8:27**
